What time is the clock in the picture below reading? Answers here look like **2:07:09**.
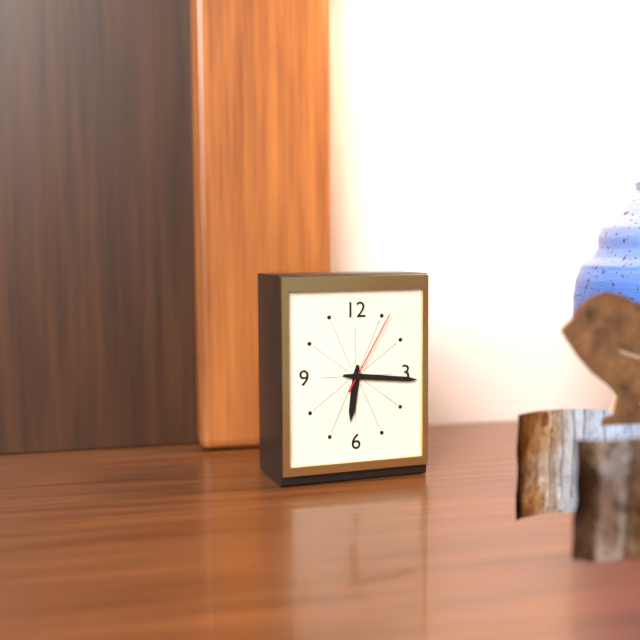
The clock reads **6:16:05**
